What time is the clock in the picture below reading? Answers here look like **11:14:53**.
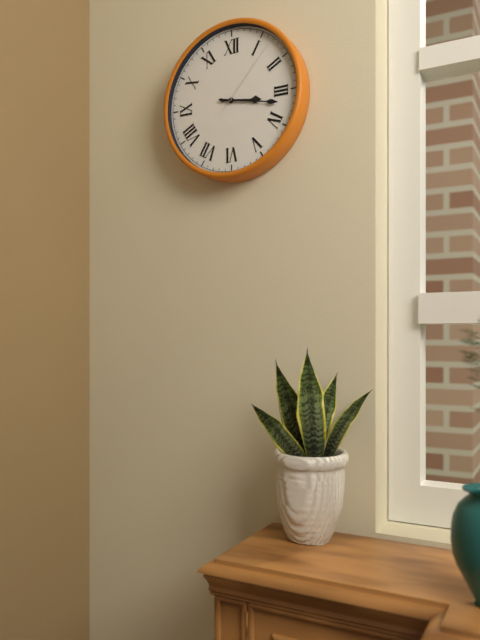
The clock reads **3:17:07**
